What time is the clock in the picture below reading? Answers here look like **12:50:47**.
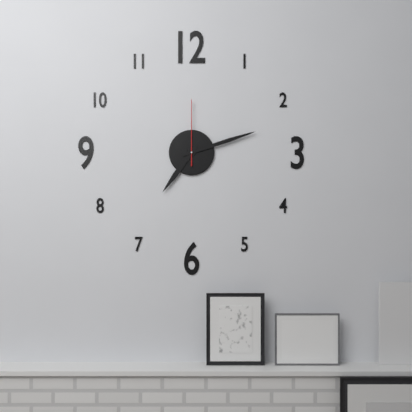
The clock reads **7:12:00**
